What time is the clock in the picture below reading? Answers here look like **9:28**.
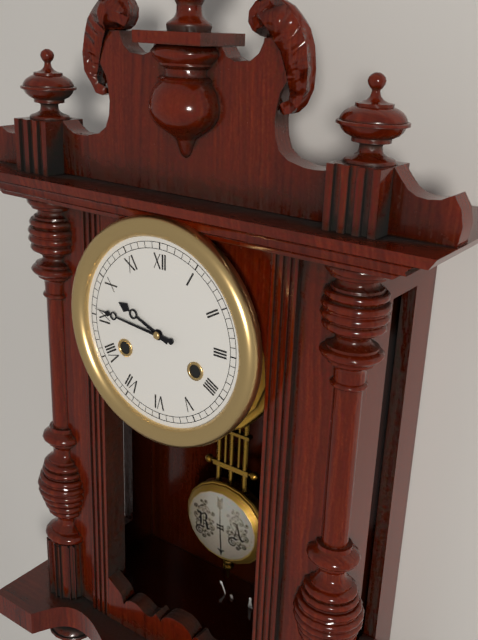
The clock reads **9:46**
